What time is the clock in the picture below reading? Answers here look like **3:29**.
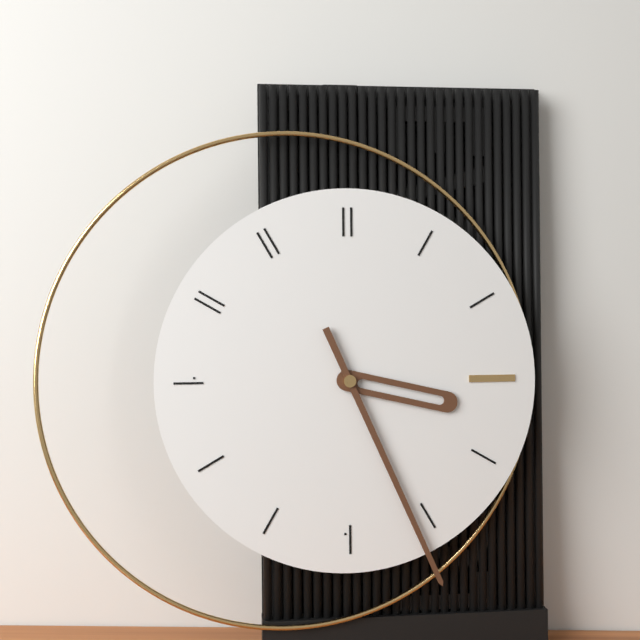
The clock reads **3:26**
